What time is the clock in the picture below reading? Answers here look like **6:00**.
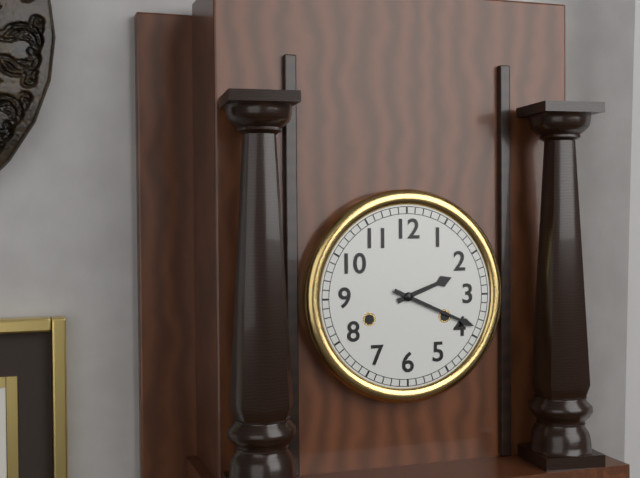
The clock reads **2:19**
